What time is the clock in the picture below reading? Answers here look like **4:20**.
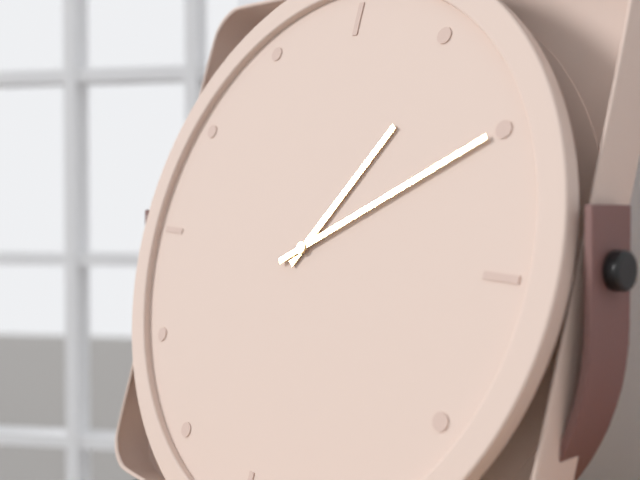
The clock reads **1:10**
